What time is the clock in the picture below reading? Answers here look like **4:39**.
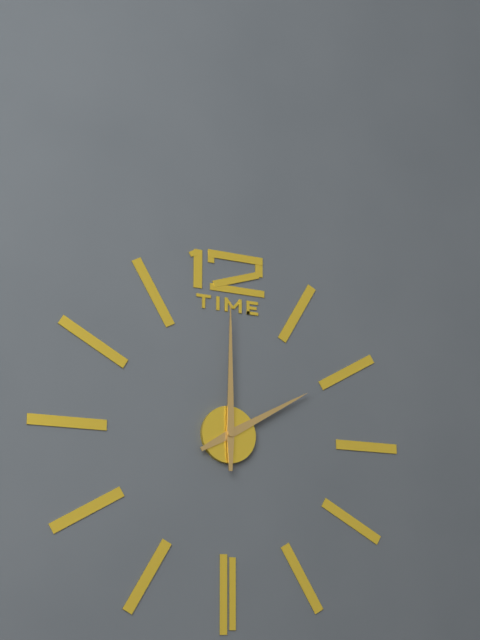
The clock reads **2:00**
